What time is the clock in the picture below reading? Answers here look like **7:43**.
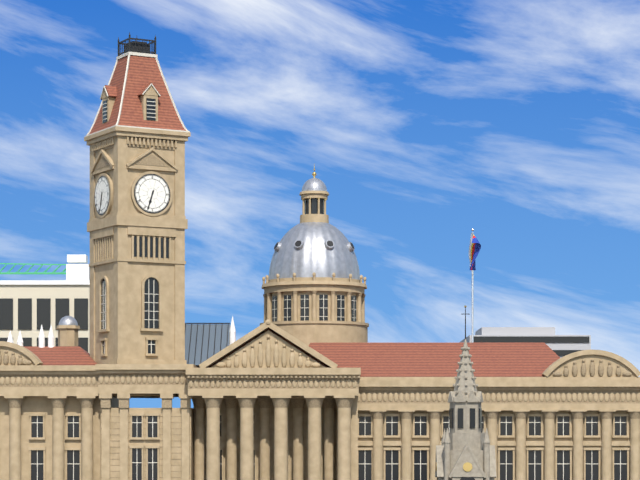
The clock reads **6:33**
